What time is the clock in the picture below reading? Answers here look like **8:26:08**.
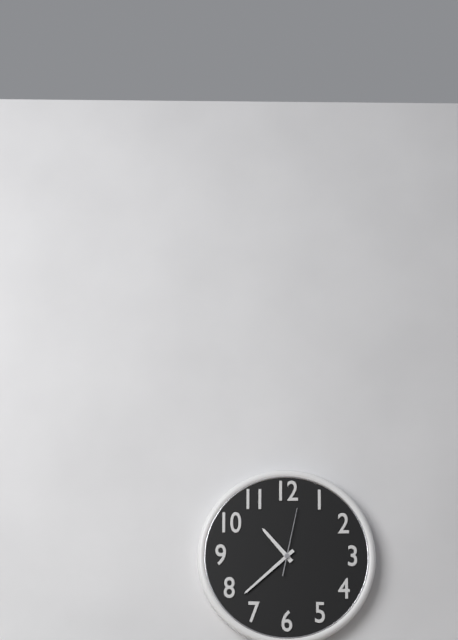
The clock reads **10:38:02**
